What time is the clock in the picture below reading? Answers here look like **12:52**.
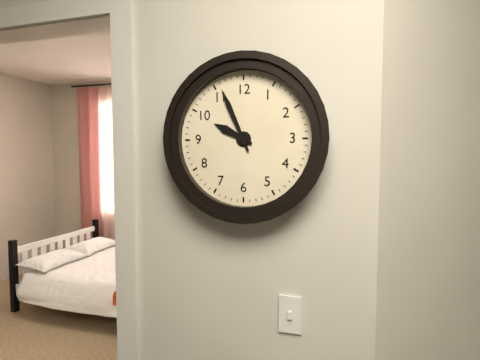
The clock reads **9:56**
